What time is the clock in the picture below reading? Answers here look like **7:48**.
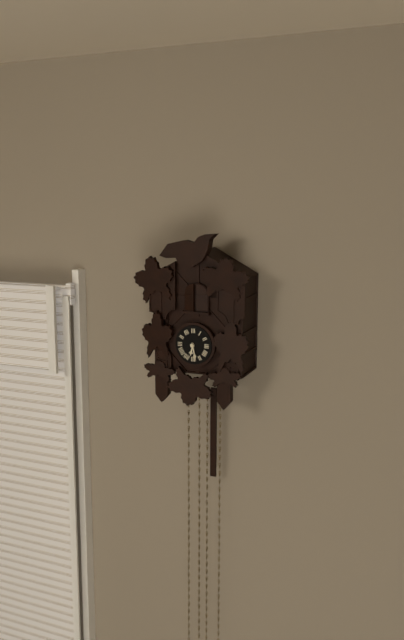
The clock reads **6:28**
